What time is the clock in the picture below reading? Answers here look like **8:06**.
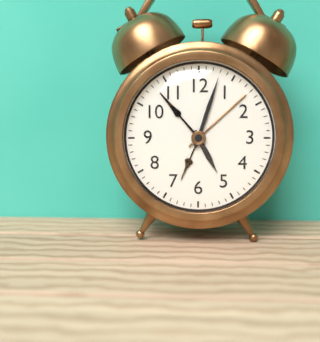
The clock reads **5:03**
